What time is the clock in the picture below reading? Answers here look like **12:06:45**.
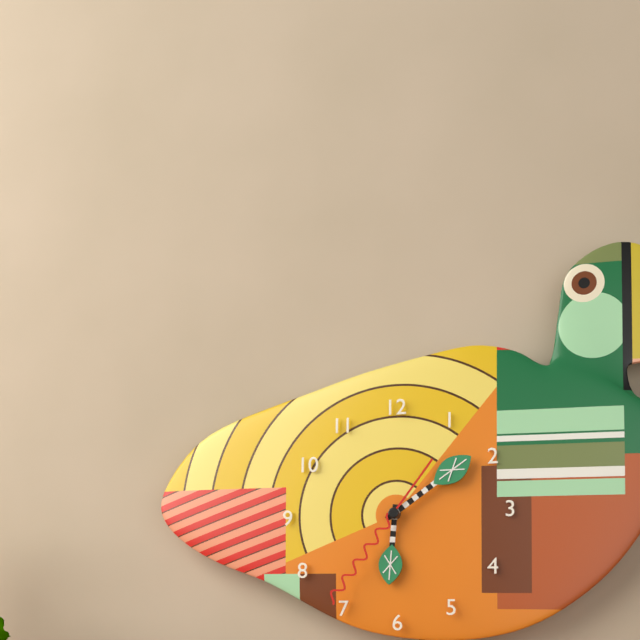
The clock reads **6:09:36**
